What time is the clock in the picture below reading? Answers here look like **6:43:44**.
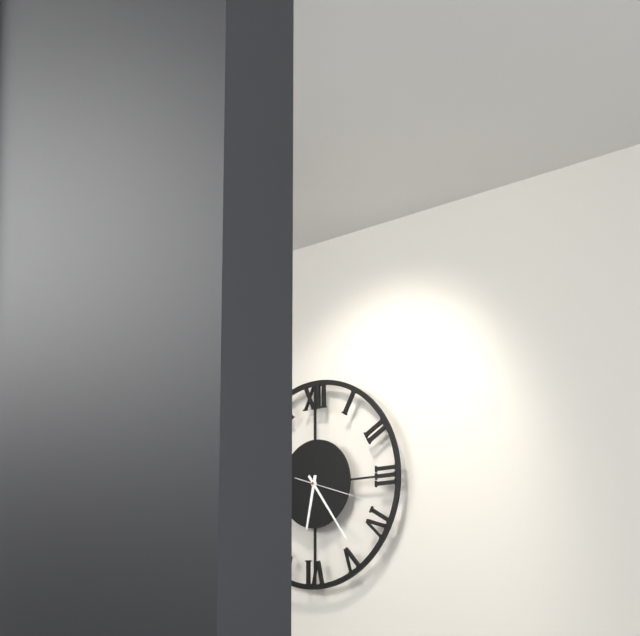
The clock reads **6:24:18**
